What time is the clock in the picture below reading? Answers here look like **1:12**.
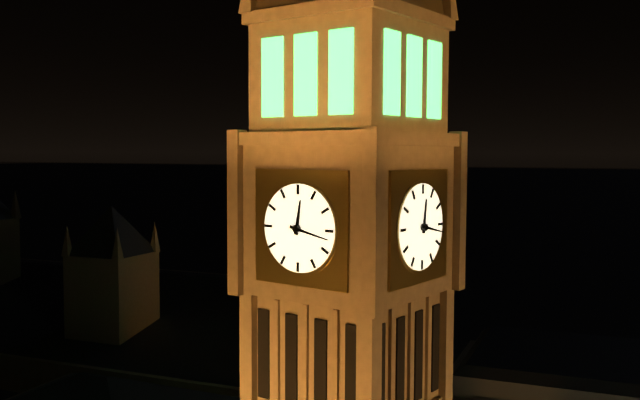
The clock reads **12:17**
